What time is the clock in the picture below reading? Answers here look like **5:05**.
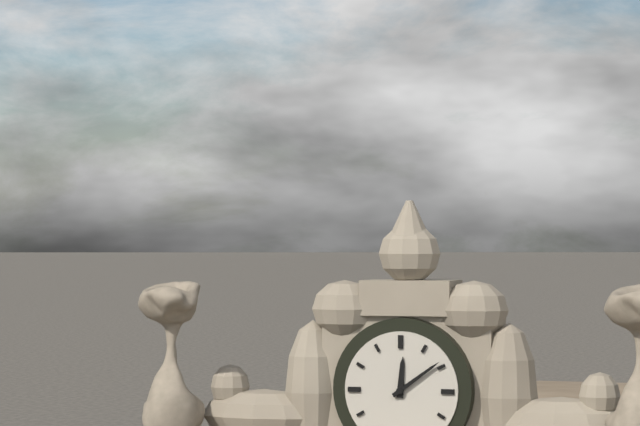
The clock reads **12:09**
